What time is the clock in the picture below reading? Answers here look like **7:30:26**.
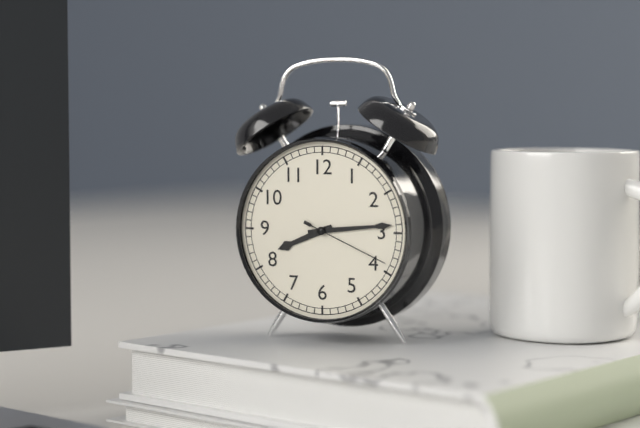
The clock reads **8:14:19**
